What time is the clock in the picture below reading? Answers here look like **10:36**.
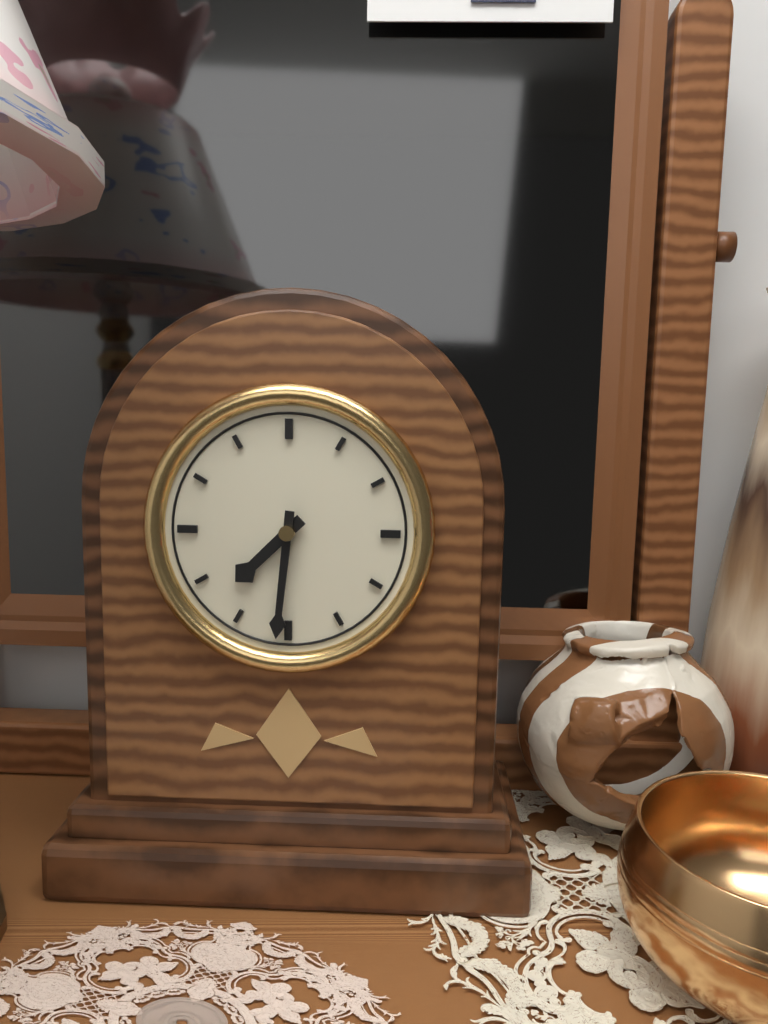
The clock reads **7:31**
